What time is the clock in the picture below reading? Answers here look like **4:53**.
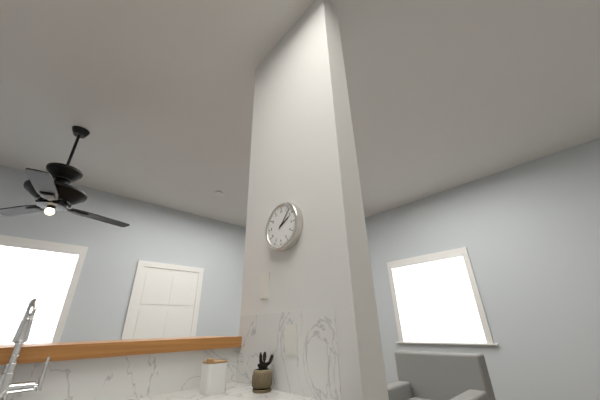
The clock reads **2:07**
